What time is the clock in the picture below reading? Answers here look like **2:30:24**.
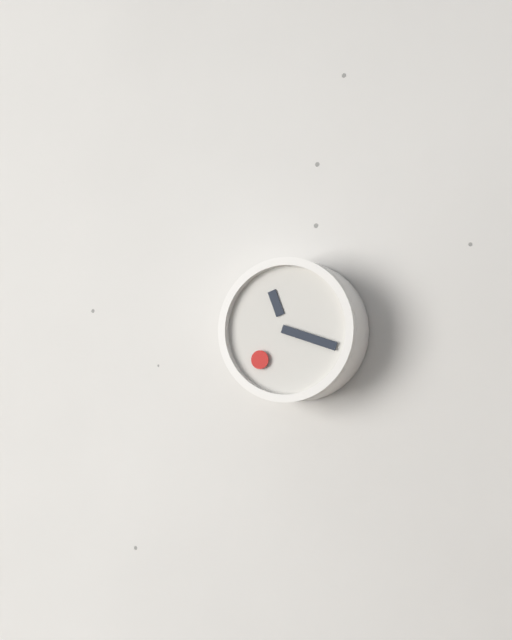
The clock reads **11:18:37**
